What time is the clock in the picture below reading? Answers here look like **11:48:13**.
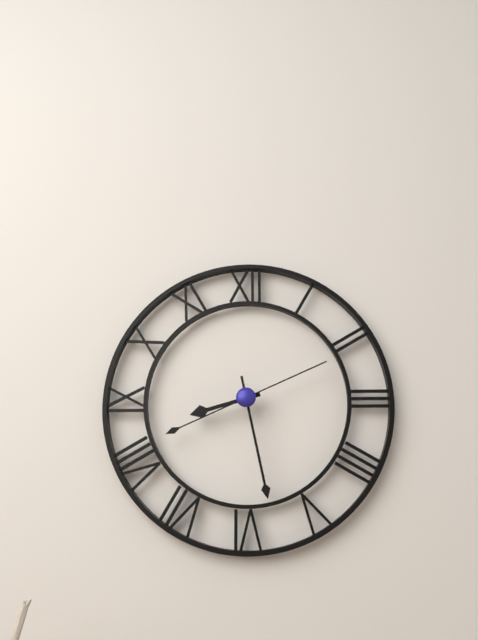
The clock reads **8:28:11**
